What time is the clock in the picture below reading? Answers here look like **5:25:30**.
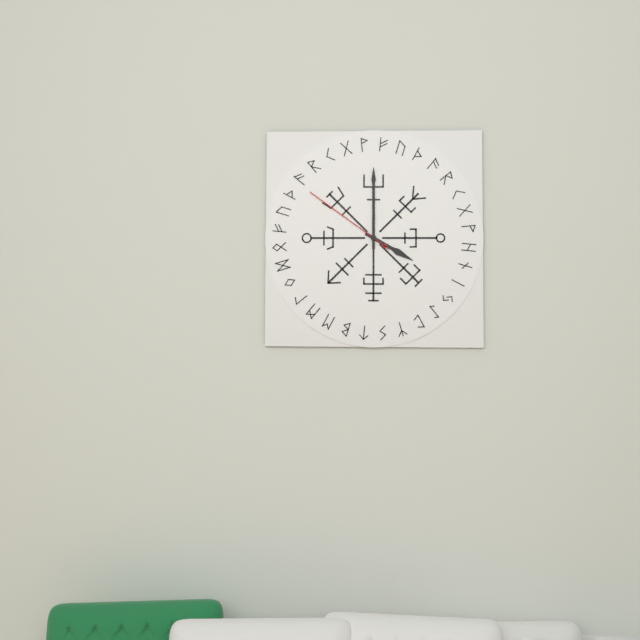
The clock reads **4:00:51**
